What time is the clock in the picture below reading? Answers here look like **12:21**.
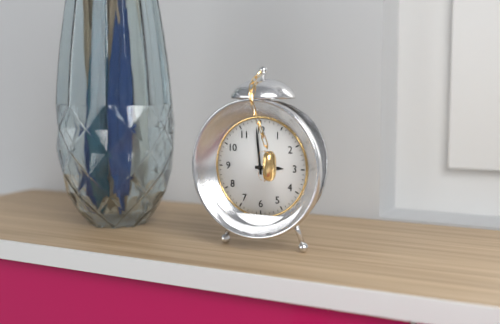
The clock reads **2:59**
